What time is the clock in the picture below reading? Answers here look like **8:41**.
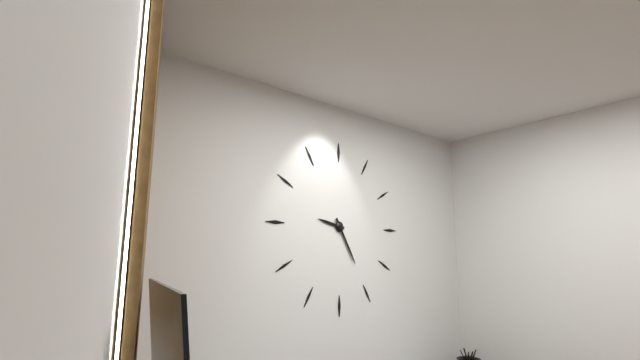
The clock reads **9:25**
